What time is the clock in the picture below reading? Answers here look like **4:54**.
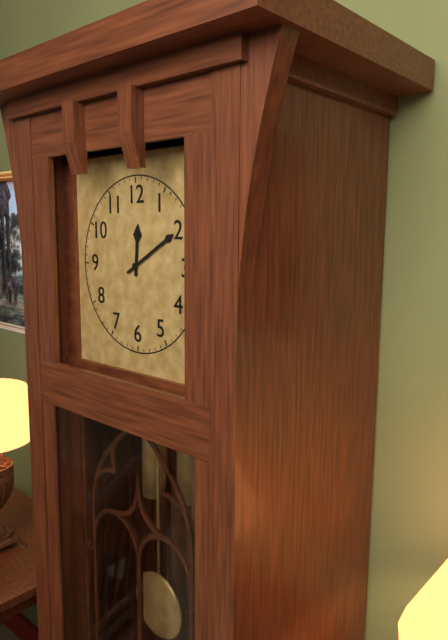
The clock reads **12:10**
